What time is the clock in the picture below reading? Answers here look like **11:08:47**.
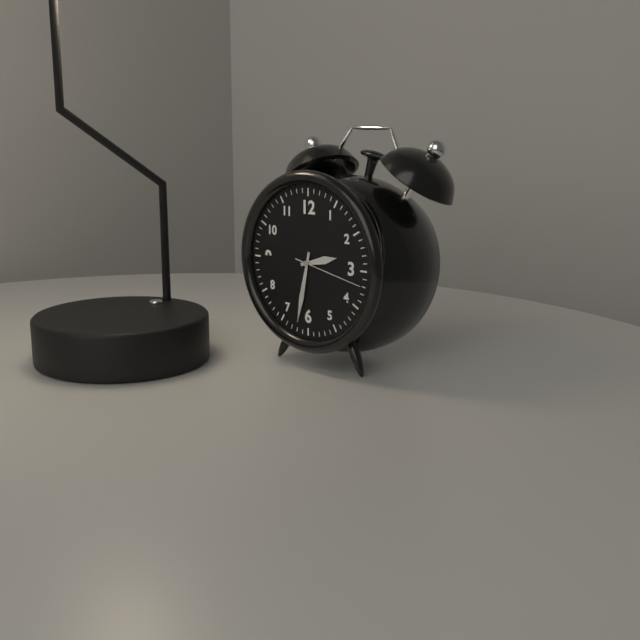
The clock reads **2:32:17**
